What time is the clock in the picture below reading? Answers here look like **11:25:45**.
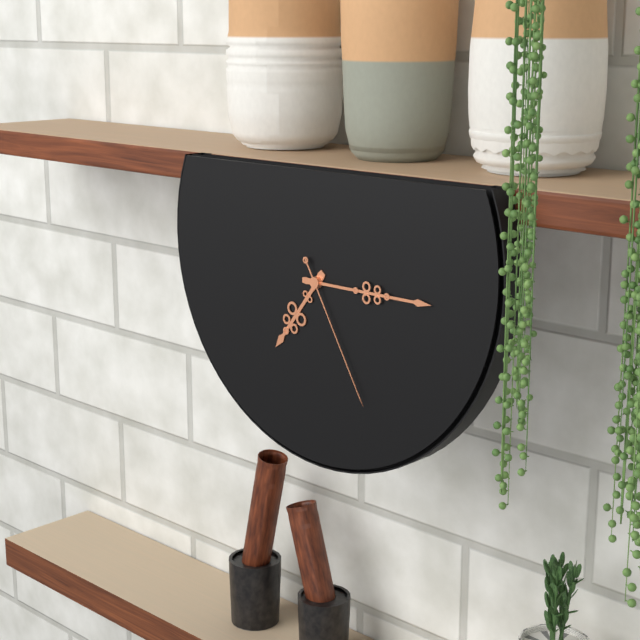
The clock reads **7:15:25**
